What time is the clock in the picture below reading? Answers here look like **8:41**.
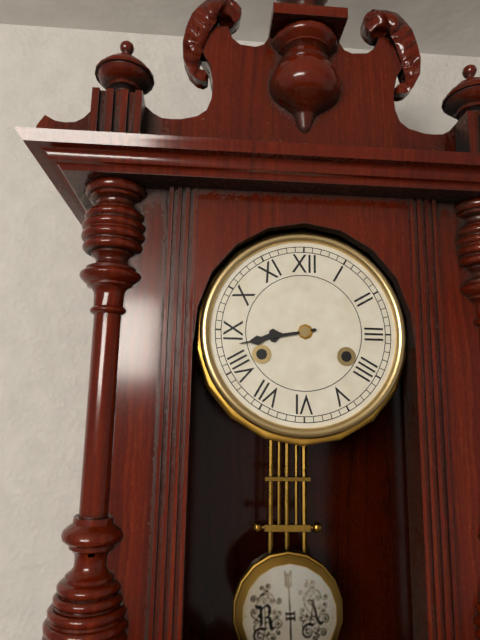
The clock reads **8:43**
